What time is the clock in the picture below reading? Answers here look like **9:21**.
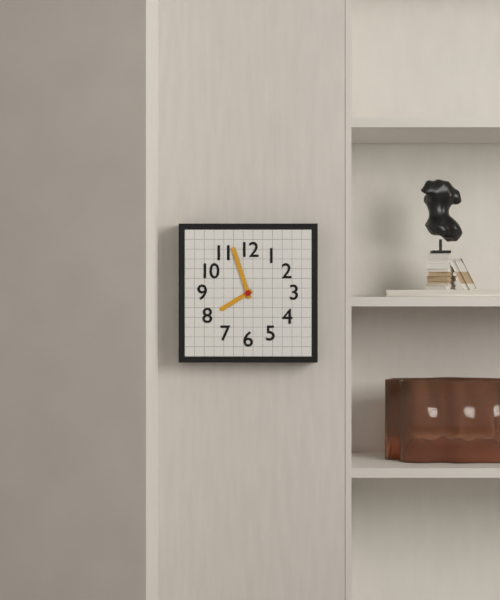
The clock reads **7:57**
